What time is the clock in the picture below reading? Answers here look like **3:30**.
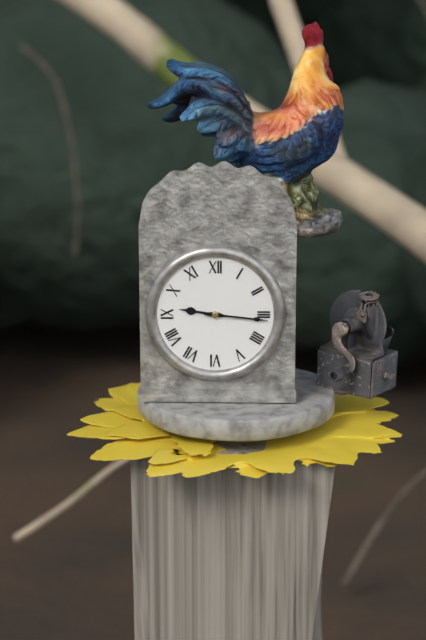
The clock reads **9:16**
